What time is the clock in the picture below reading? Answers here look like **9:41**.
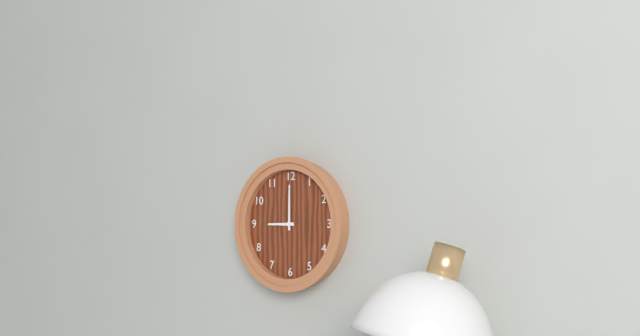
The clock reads **9:00**
